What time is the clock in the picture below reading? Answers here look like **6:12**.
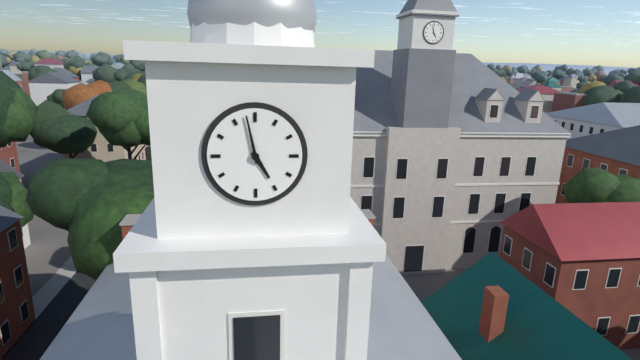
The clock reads **4:58**
